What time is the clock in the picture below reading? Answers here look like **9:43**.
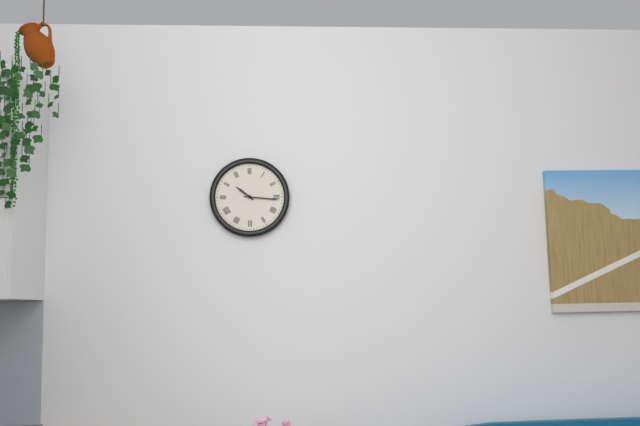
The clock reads **10:16**
